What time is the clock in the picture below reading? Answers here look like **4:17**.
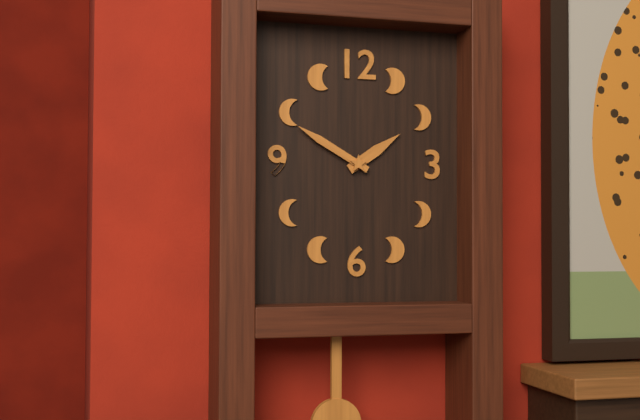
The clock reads **1:50**
